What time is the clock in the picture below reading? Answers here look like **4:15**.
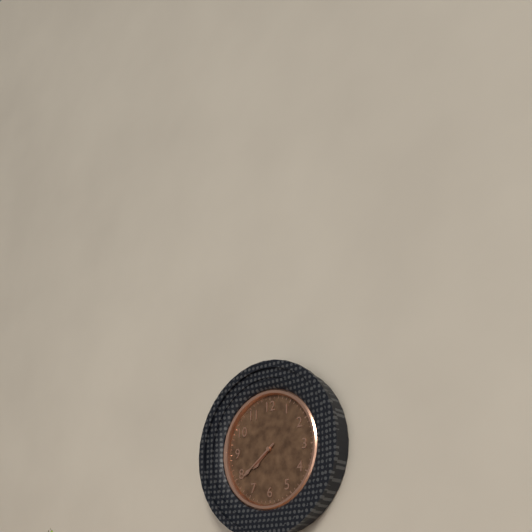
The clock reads **7:39**
